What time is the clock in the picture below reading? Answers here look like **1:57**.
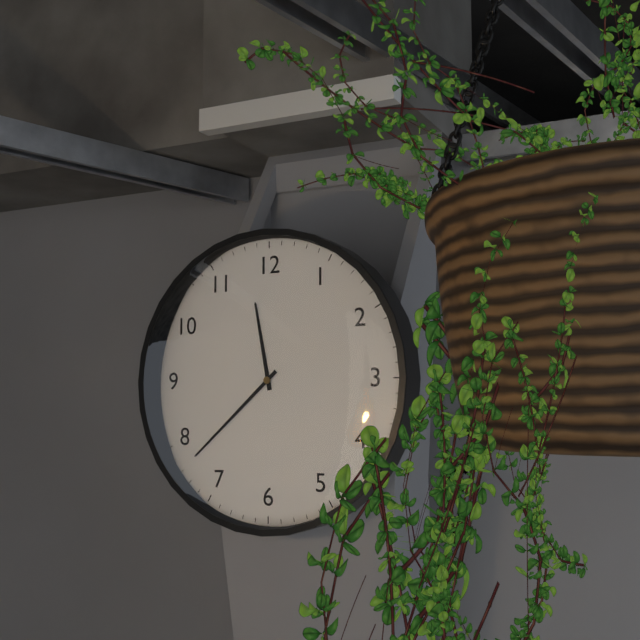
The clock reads **11:38**
